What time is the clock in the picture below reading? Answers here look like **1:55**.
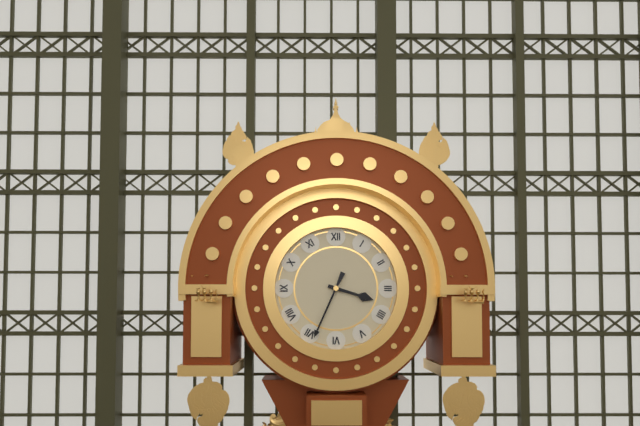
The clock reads **3:34**
